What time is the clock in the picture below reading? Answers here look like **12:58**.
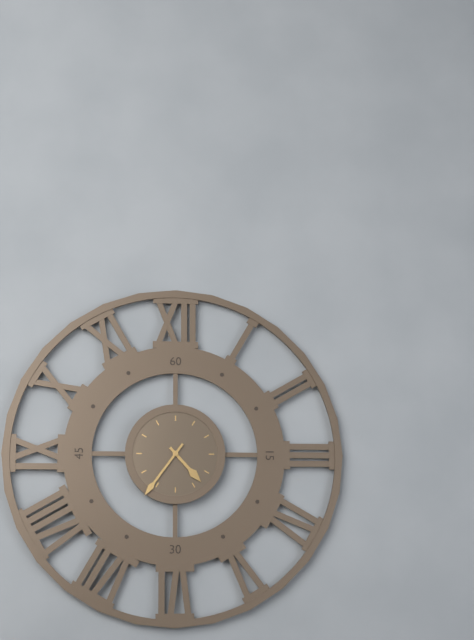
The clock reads **4:36**
